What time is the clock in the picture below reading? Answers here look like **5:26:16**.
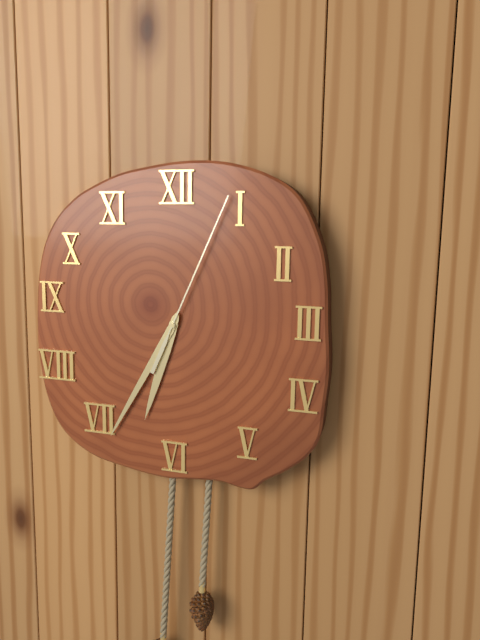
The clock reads **6:35:04**
